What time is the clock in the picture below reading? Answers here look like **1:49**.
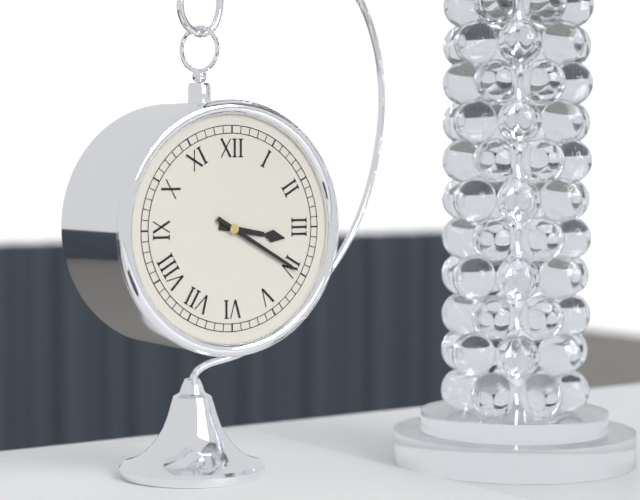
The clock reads **3:20**
